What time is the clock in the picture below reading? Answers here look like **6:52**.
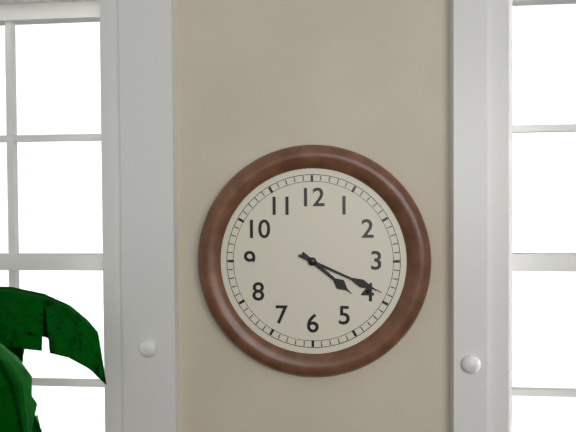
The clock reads **4:19**
